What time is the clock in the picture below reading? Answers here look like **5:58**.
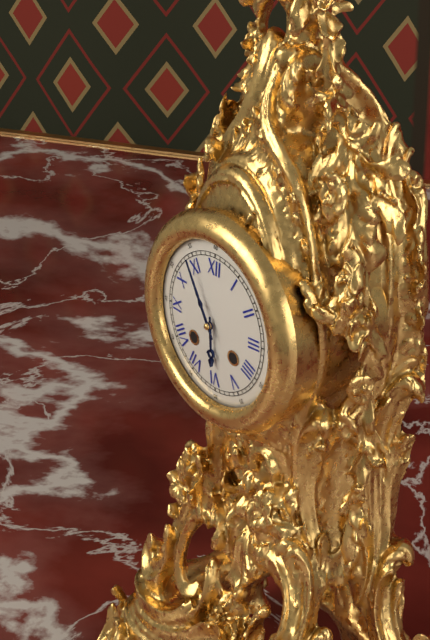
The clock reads **5:55**
